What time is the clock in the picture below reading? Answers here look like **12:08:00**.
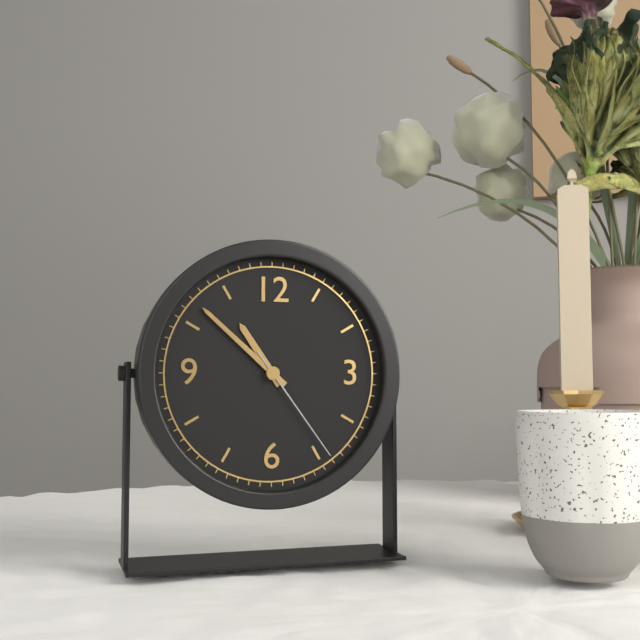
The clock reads **10:52:24**
